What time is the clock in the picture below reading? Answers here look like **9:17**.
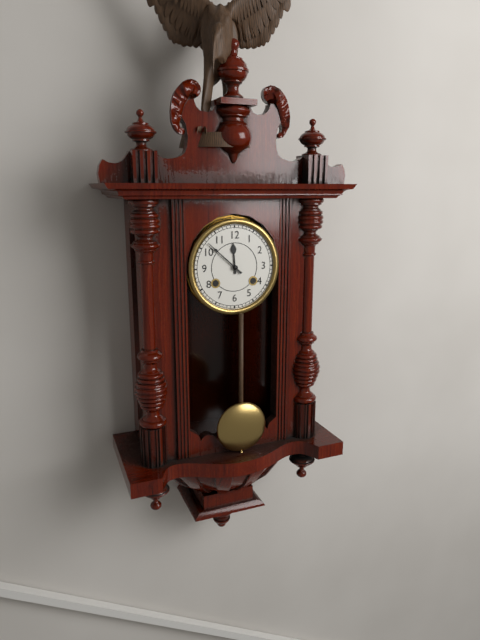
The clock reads **11:52**
